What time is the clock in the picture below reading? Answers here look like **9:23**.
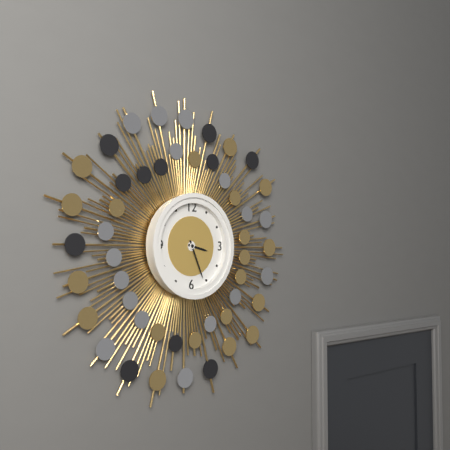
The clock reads **3:26**
